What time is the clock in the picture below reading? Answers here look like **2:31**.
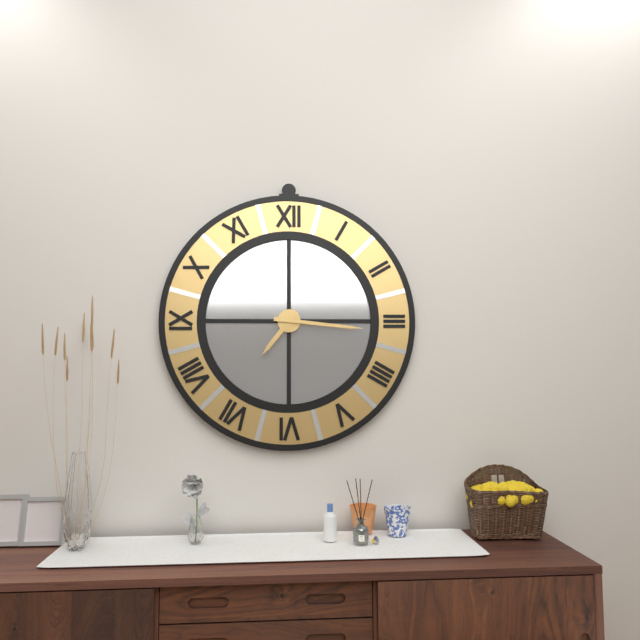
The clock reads **7:16**
